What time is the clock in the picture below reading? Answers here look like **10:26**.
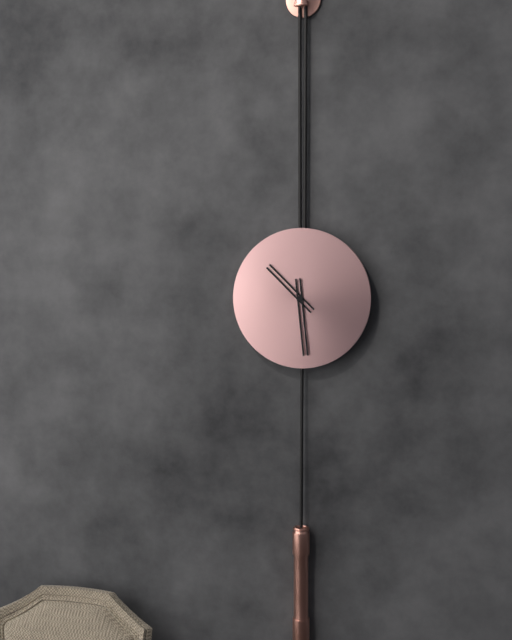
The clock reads **10:29**
